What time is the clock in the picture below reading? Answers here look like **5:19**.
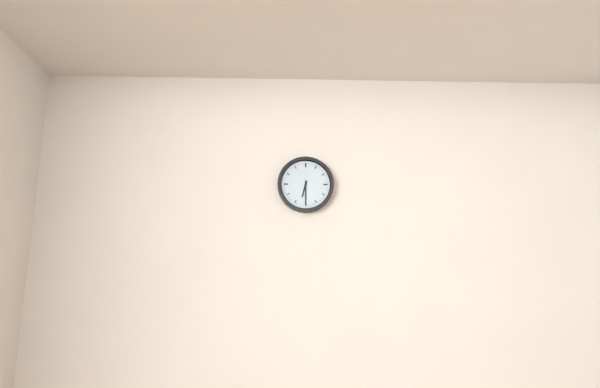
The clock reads **6:30**
